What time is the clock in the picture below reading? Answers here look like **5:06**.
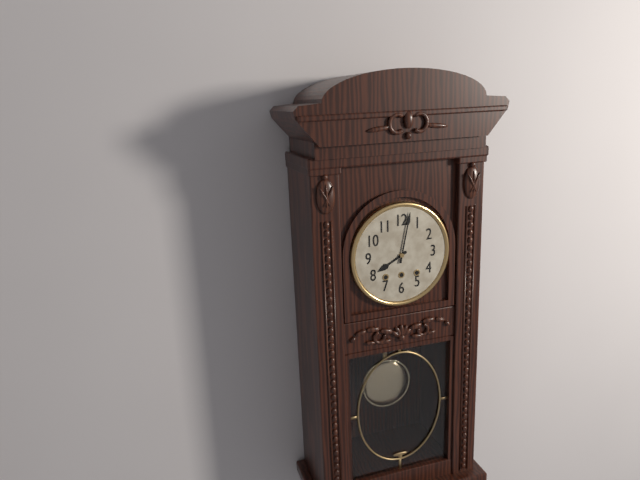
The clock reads **8:02**
